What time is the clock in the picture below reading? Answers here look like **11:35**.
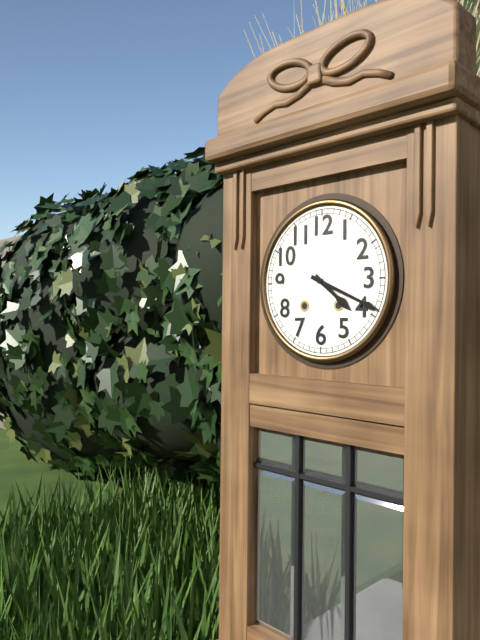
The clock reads **4:19**
